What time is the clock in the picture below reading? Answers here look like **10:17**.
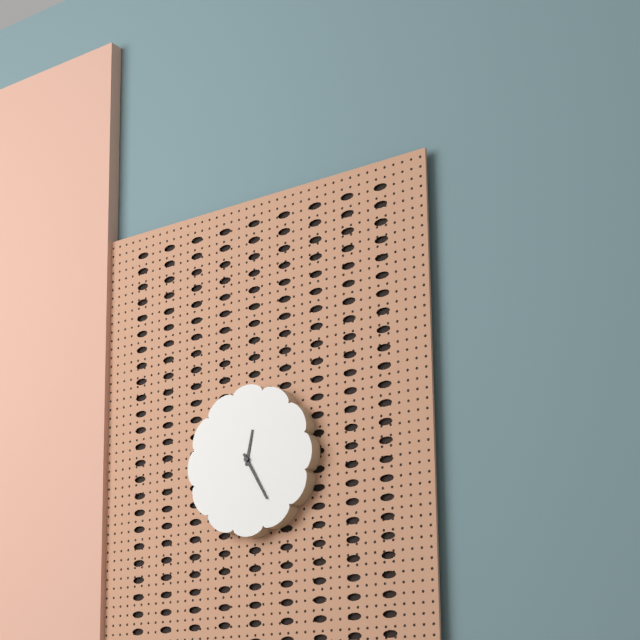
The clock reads **12:25**
